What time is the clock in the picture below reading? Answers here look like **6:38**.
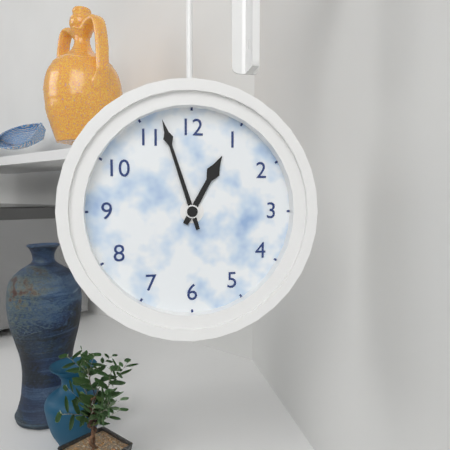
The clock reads **12:57**
